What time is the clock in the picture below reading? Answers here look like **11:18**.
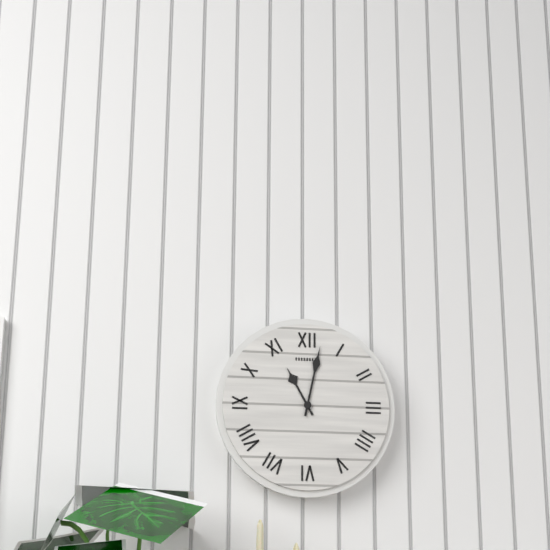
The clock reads **11:02**
